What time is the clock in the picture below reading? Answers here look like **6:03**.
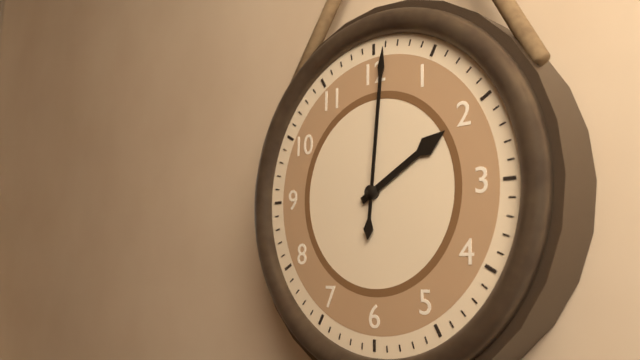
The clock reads **2:01**
